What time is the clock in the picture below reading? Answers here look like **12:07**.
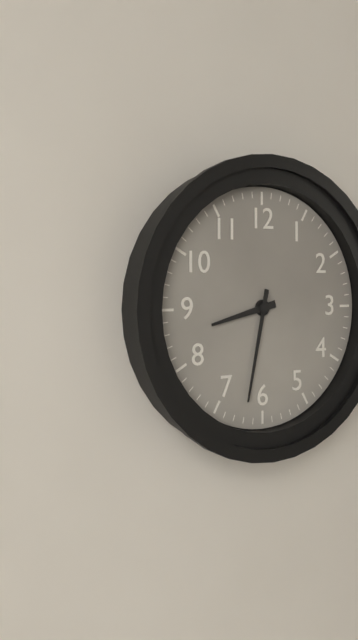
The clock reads **8:32**
